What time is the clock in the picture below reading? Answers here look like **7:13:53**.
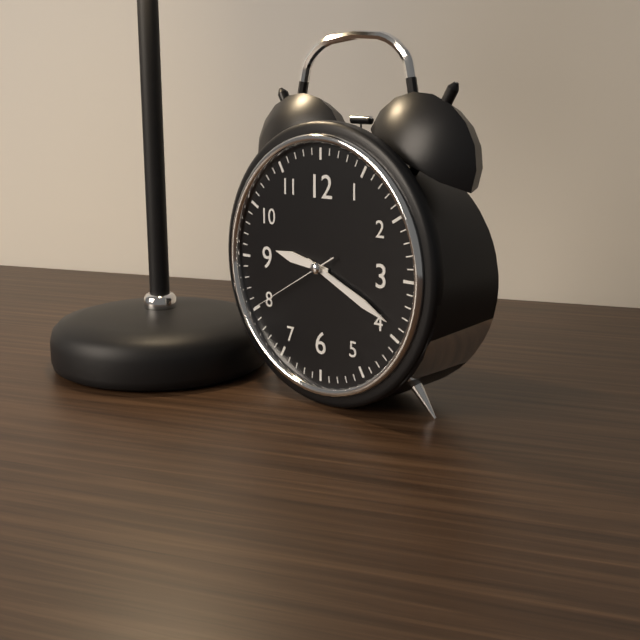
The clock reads **9:19:40**
